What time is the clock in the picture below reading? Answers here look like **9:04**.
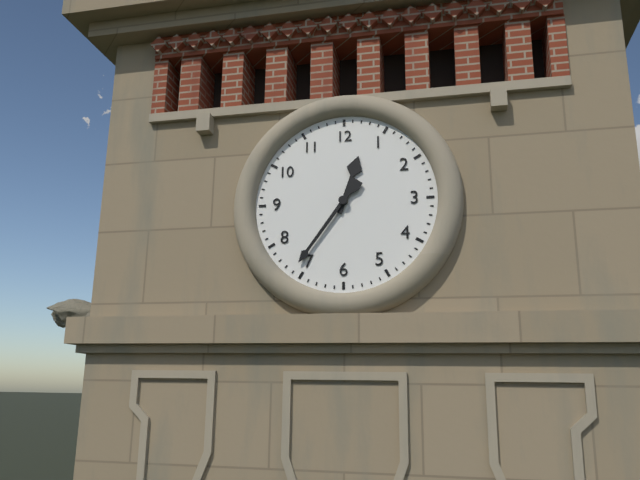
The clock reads **12:36**
